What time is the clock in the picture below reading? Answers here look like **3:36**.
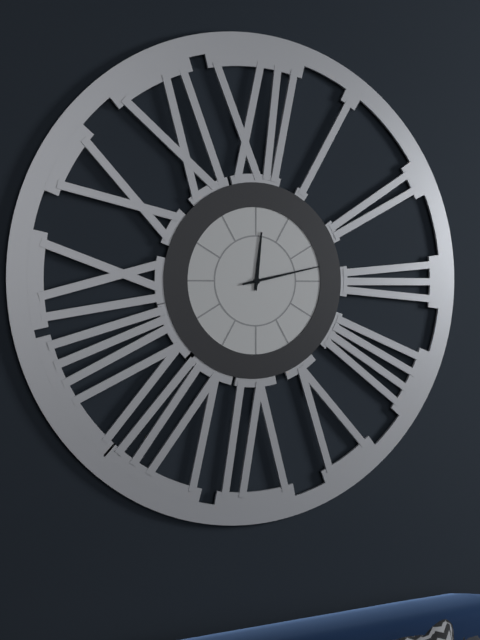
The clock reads **12:13**
